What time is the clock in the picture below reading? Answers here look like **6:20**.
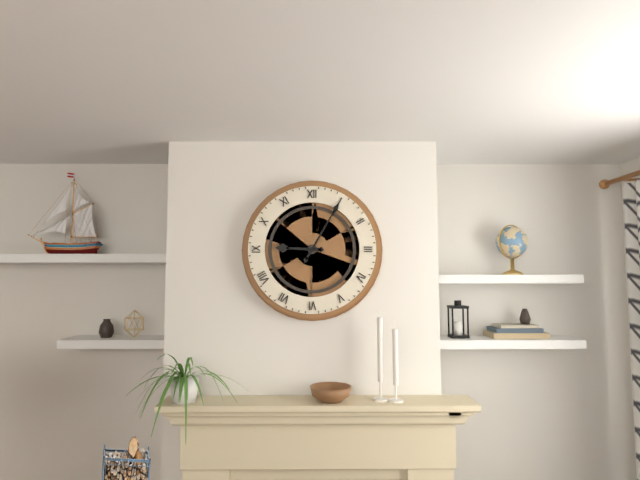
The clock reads **9:05**
